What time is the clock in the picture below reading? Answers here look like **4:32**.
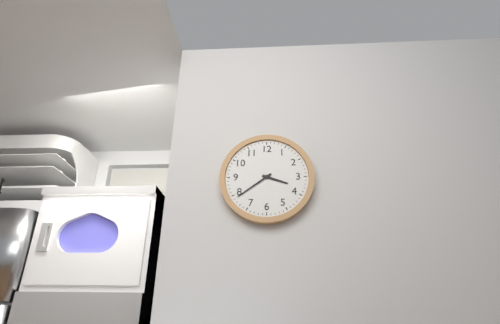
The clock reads **3:39**
